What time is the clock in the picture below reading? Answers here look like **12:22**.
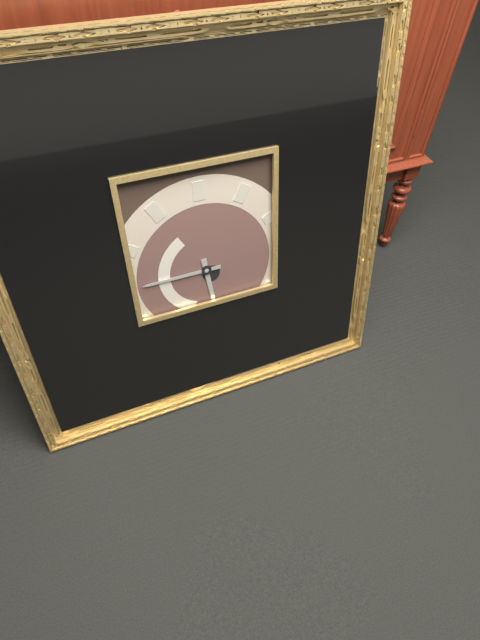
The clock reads **5:45**
